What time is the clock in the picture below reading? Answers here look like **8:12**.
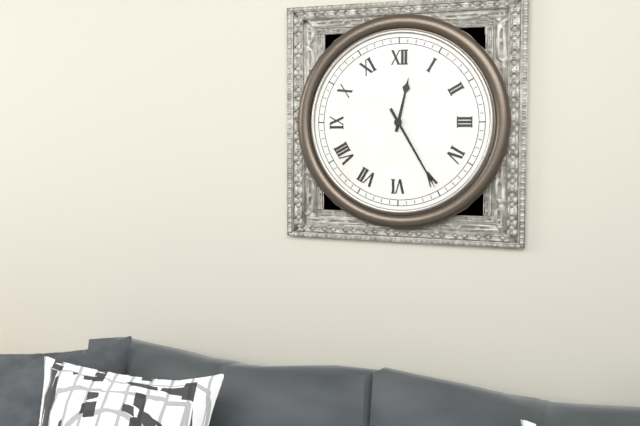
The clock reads **12:25**
